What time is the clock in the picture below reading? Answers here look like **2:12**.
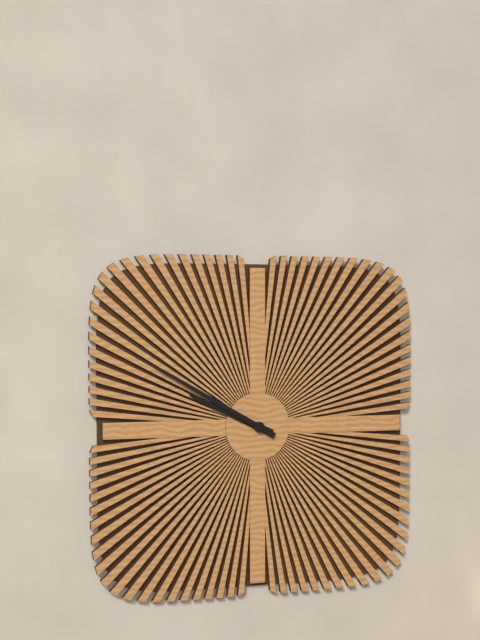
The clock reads **9:50**
